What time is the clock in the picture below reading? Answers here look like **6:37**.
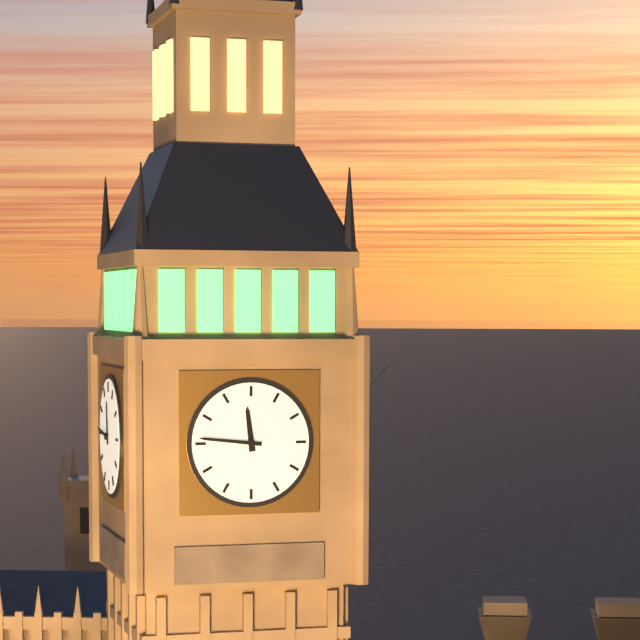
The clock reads **11:46**
